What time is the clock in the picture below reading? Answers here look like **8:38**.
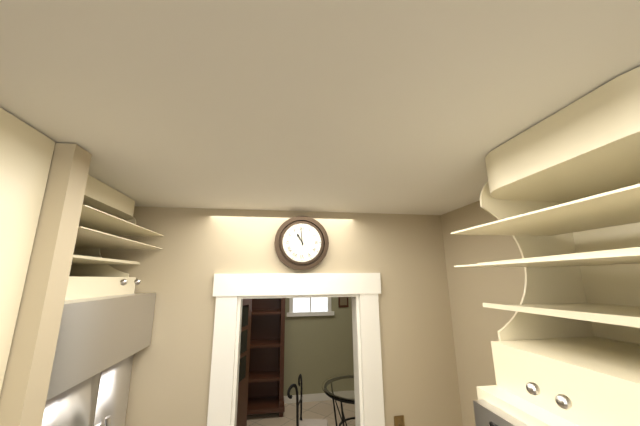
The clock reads **10:59**
